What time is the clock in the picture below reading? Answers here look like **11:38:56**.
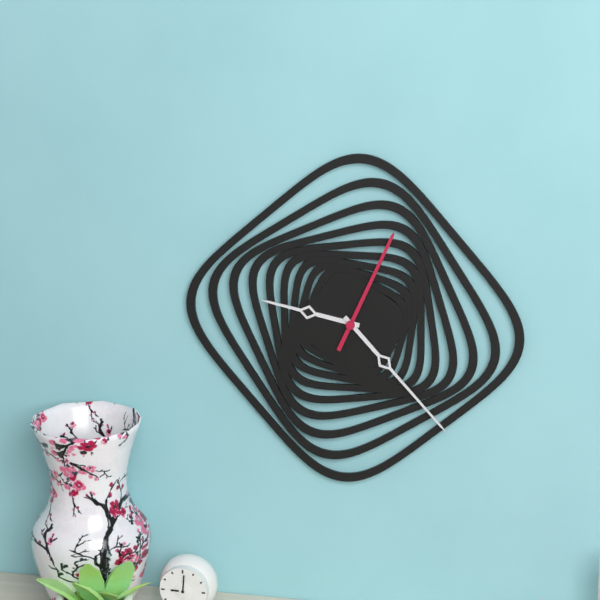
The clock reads **9:23:04**
